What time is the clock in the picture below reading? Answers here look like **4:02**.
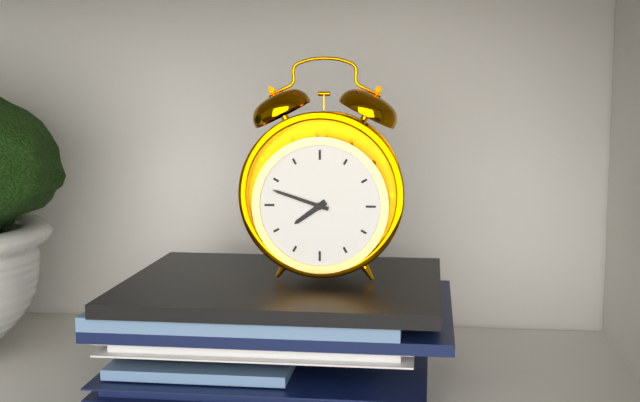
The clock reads **7:48**
